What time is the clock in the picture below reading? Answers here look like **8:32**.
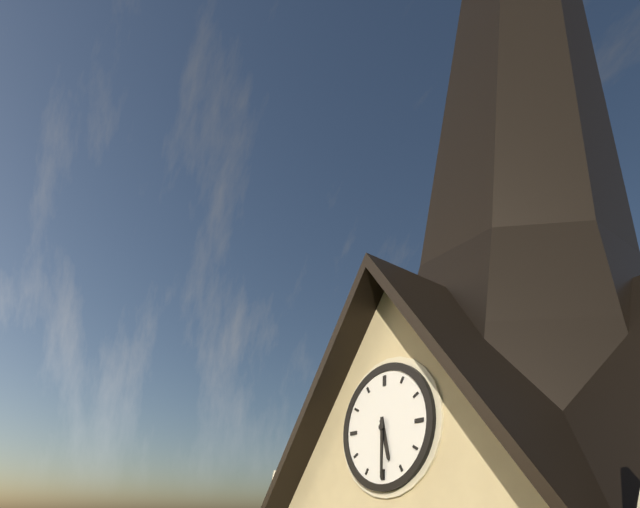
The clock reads **5:30**
